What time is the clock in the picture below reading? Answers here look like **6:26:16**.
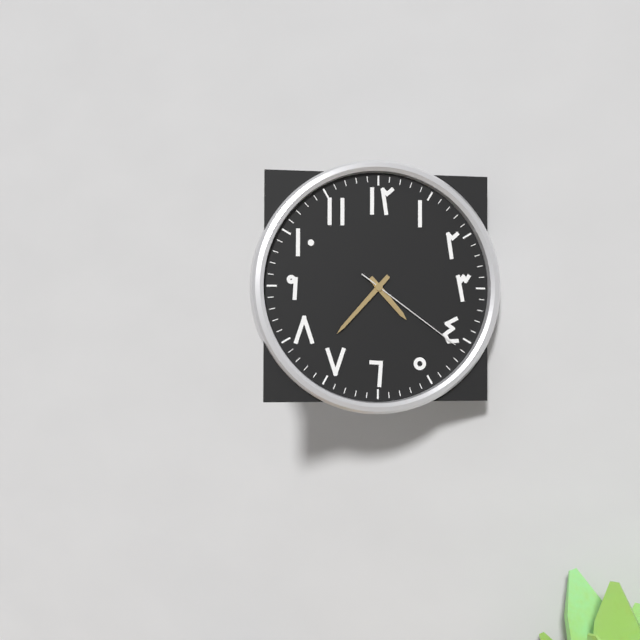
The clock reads **4:37:21**
